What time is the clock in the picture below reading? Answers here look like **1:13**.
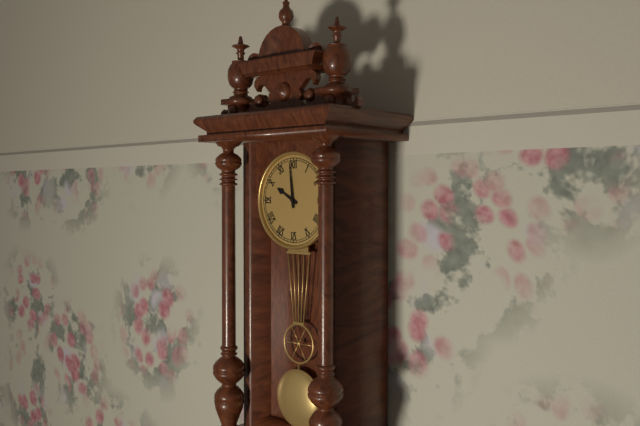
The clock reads **9:59**
